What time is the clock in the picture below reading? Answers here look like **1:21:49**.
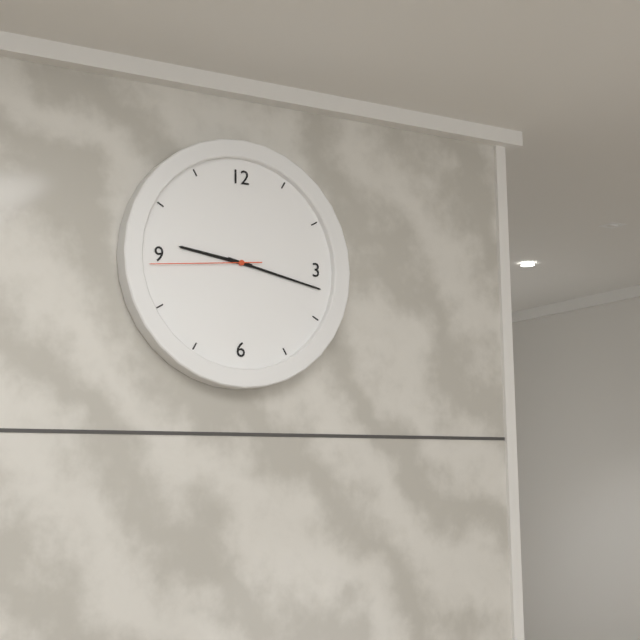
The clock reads **9:17:44**
